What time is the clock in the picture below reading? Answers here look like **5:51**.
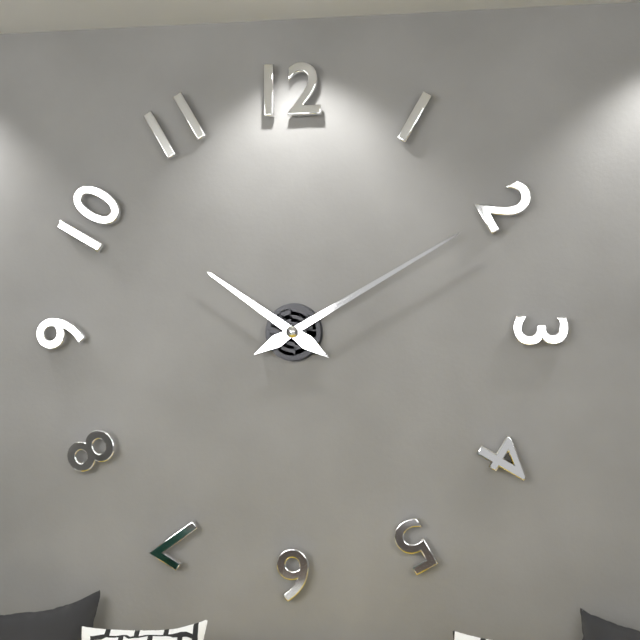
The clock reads **10:10**
